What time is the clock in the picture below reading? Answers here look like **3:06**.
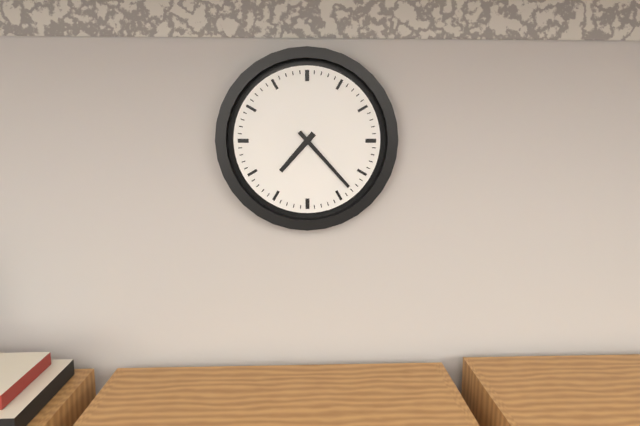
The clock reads **7:23**
